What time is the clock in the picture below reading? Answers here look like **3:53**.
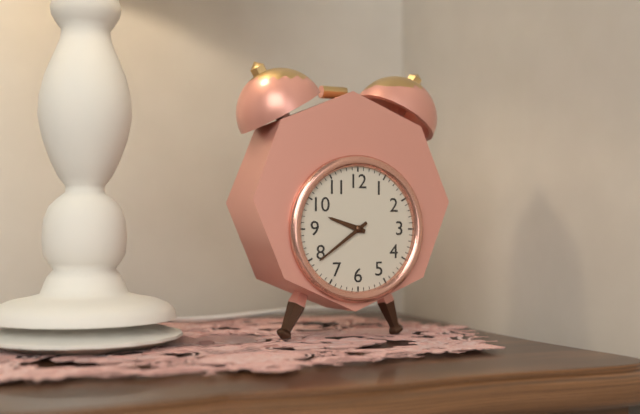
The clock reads **9:39**
